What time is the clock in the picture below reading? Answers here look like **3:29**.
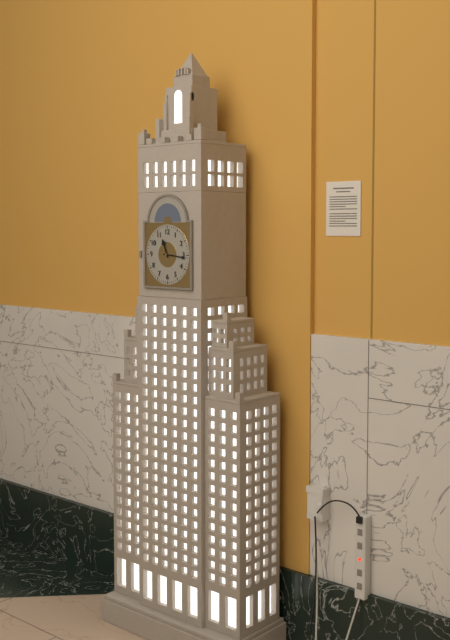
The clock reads **11:16**
